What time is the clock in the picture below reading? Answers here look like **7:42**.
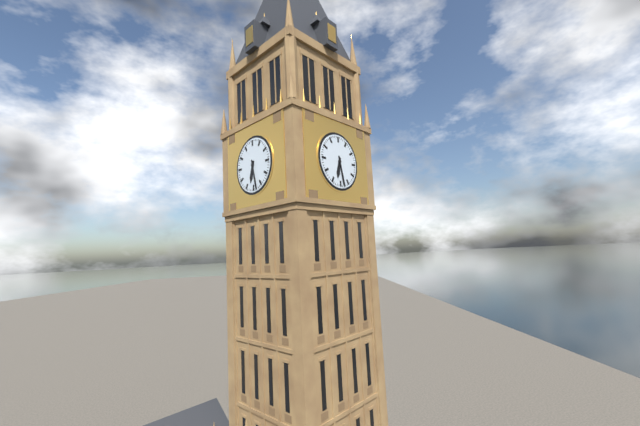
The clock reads **6:28**
